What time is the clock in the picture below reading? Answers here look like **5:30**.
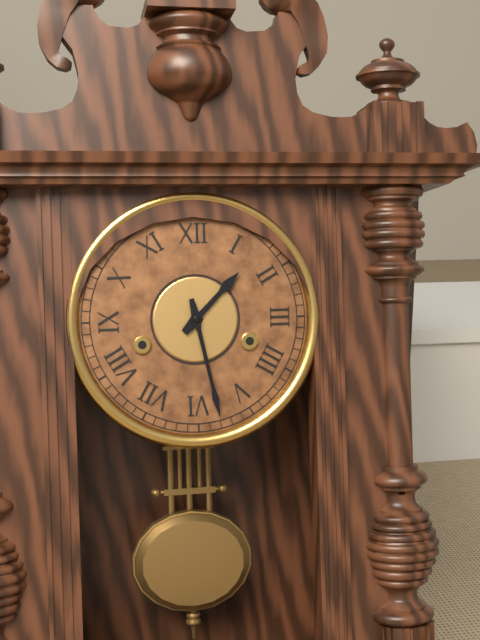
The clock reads **1:28**
